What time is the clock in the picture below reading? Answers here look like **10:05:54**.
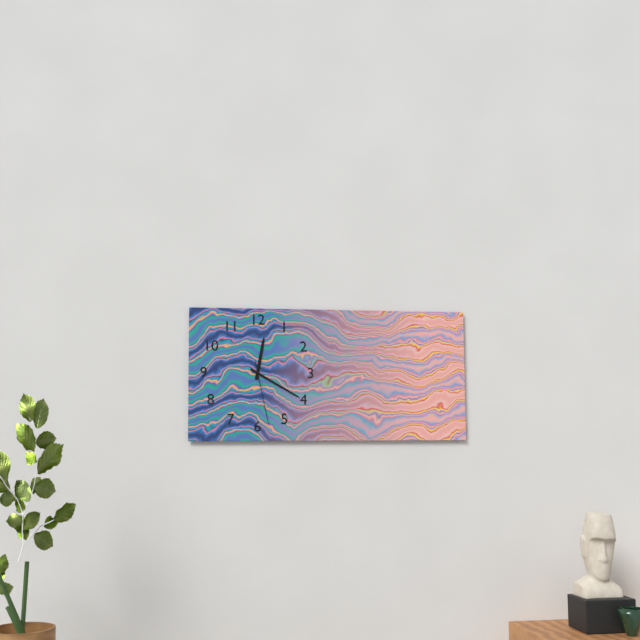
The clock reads **12:20:28**
